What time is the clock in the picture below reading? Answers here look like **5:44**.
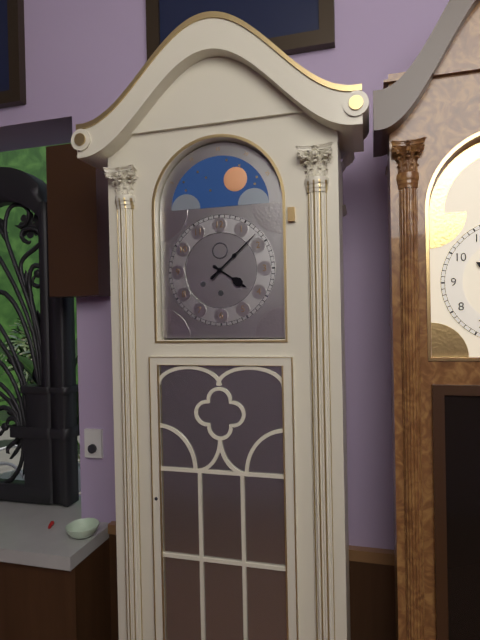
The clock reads **4:08**
